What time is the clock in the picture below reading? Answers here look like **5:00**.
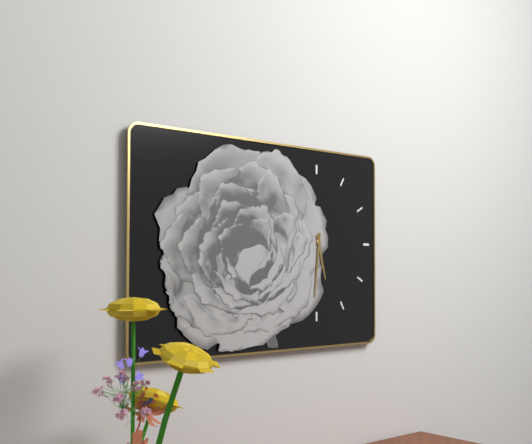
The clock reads **5:31**
